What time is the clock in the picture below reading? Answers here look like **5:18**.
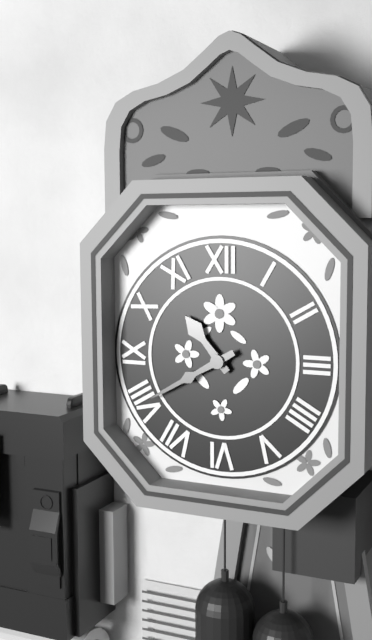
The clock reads **10:40**
